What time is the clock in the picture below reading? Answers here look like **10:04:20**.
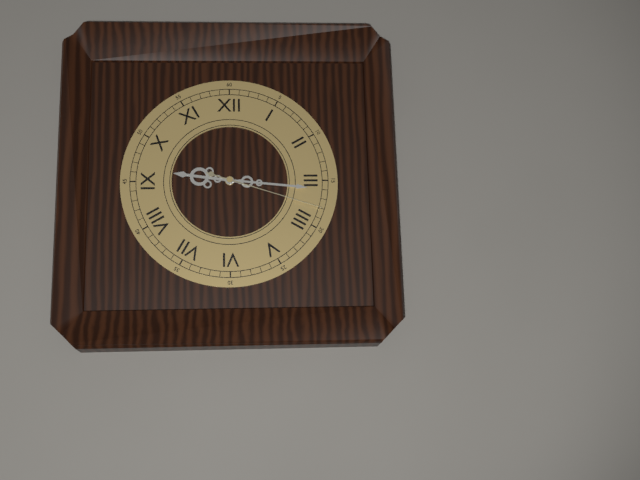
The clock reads **9:16:18**
